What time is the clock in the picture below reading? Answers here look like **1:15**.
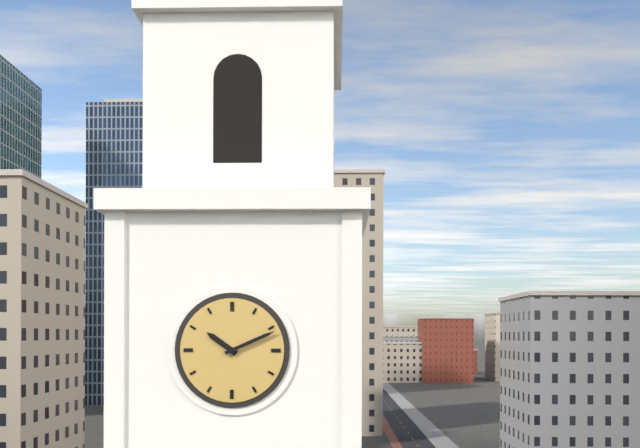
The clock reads **10:11**
